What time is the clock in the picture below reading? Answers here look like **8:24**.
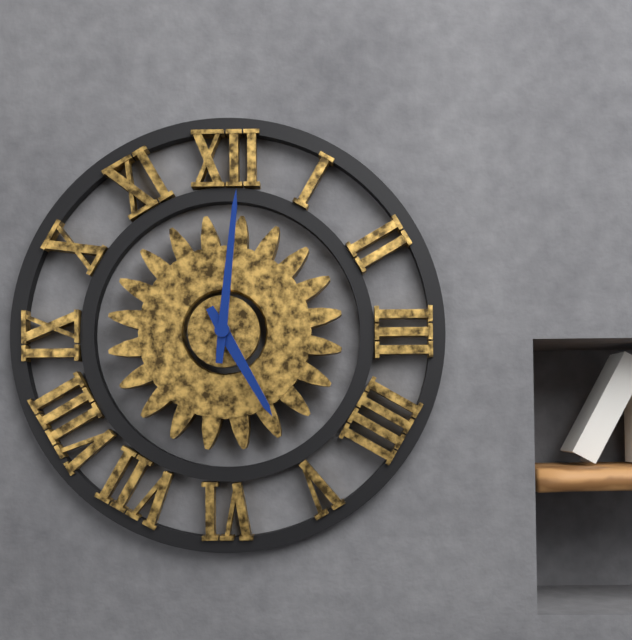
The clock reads **5:01**
